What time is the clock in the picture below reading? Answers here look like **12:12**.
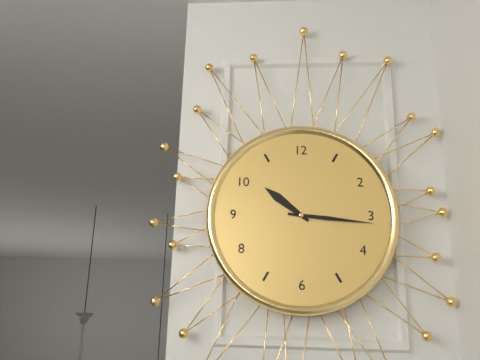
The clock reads **10:16**
